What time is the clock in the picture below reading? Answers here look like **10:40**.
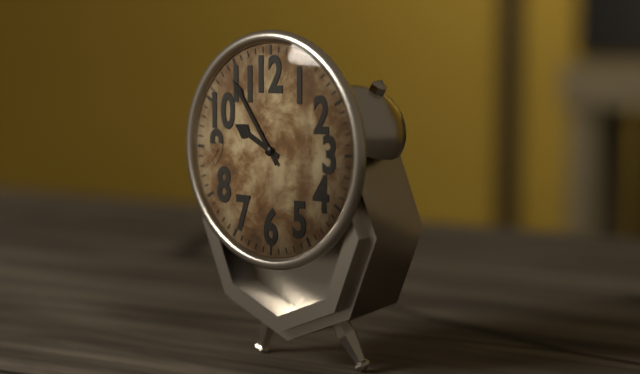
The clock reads **9:54**
